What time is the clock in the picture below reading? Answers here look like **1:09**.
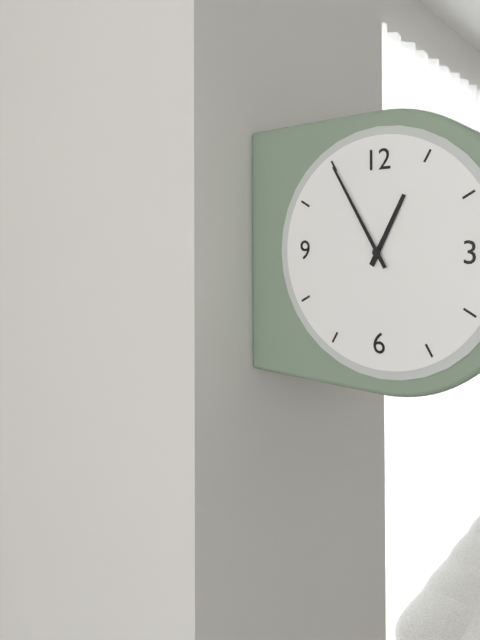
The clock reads **12:55**
